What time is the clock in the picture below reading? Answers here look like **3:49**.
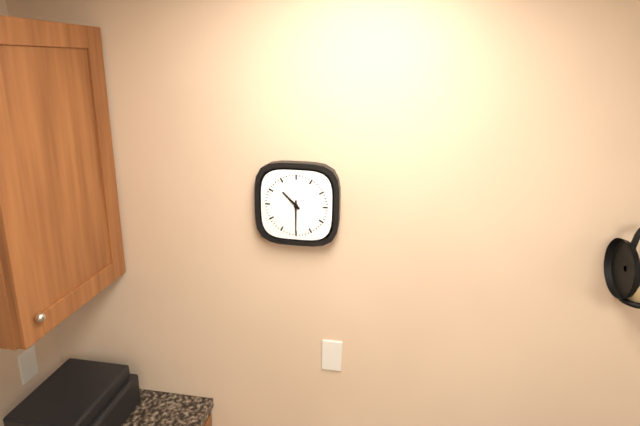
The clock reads **10:30**
